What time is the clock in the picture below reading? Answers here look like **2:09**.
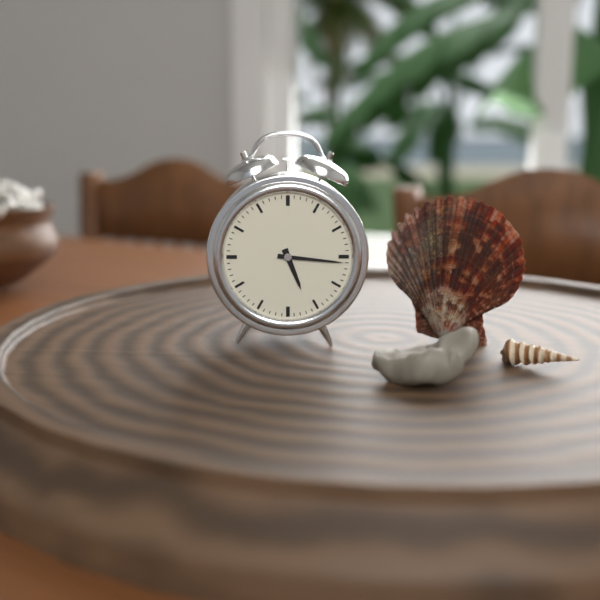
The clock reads **5:16**
